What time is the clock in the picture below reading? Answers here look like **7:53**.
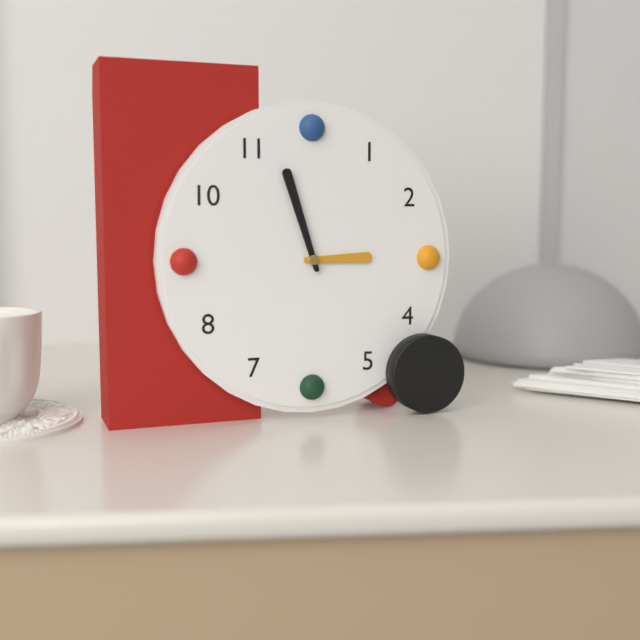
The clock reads **2:57**
